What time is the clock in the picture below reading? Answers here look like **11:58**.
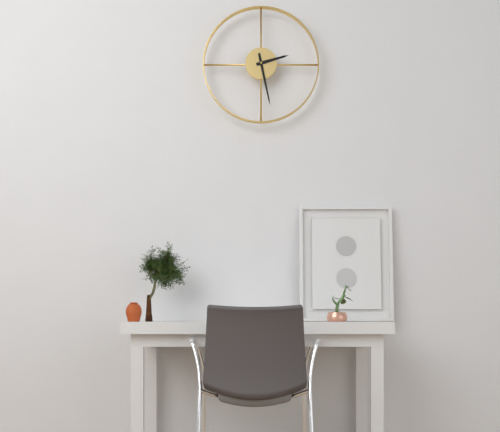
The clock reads **2:28**
